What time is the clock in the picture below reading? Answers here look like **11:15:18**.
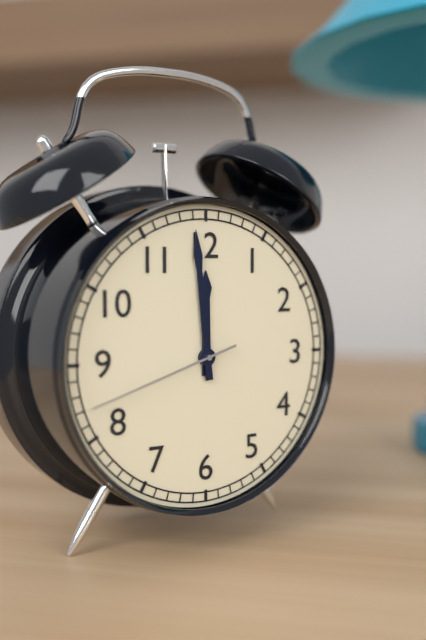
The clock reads **11:59:42**
